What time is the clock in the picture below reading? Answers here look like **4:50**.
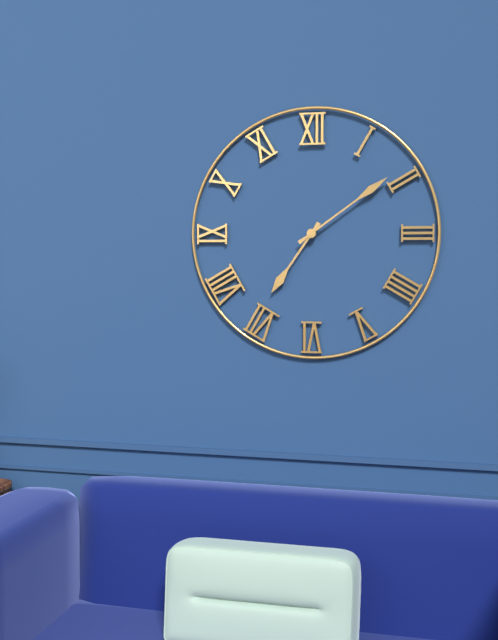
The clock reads **7:09**
